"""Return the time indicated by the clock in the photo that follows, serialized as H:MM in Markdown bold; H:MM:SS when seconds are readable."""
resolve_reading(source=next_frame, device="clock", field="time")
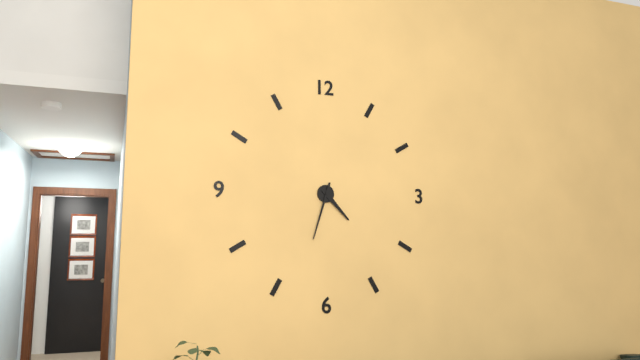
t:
**4:33**
